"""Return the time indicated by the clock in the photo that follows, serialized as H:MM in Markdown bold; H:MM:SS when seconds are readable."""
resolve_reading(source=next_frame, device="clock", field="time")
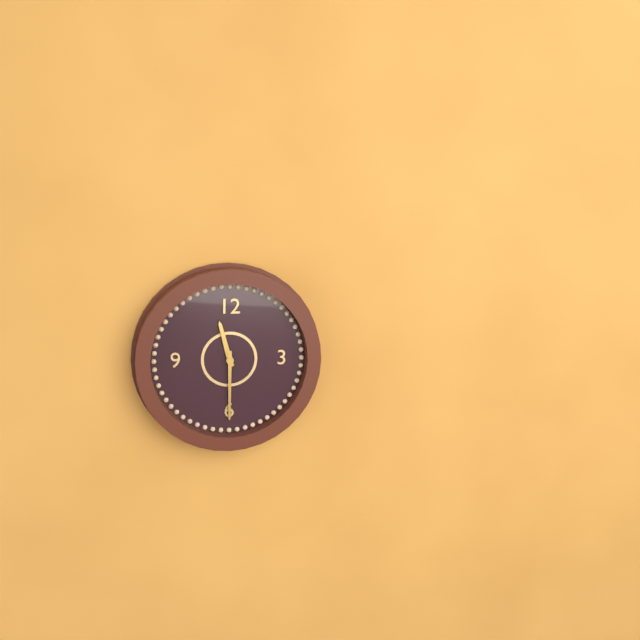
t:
**11:30**
